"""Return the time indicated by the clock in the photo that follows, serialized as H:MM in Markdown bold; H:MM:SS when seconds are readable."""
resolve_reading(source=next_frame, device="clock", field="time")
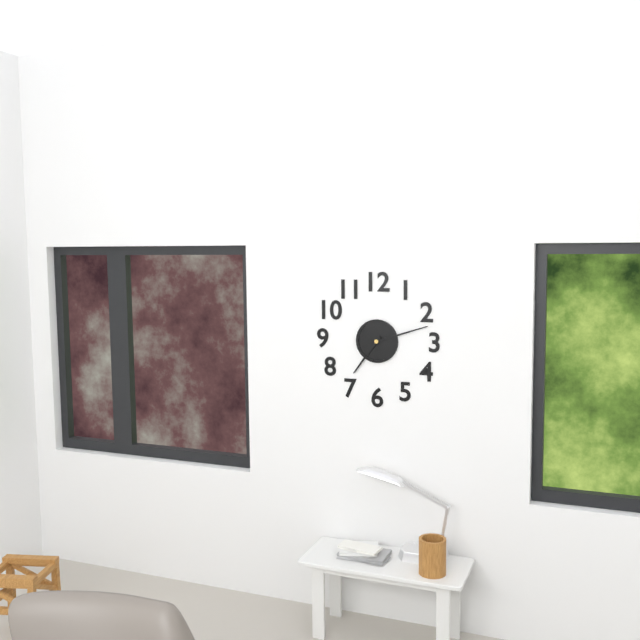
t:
**7:12**
